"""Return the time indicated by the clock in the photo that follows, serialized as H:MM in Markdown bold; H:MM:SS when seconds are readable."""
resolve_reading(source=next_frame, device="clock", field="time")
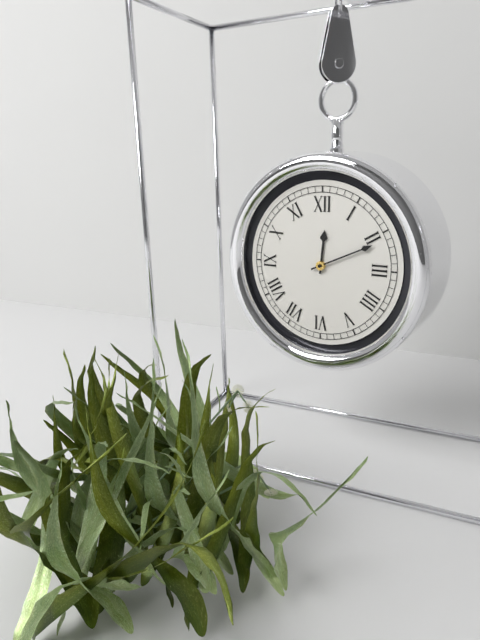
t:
**12:11**
